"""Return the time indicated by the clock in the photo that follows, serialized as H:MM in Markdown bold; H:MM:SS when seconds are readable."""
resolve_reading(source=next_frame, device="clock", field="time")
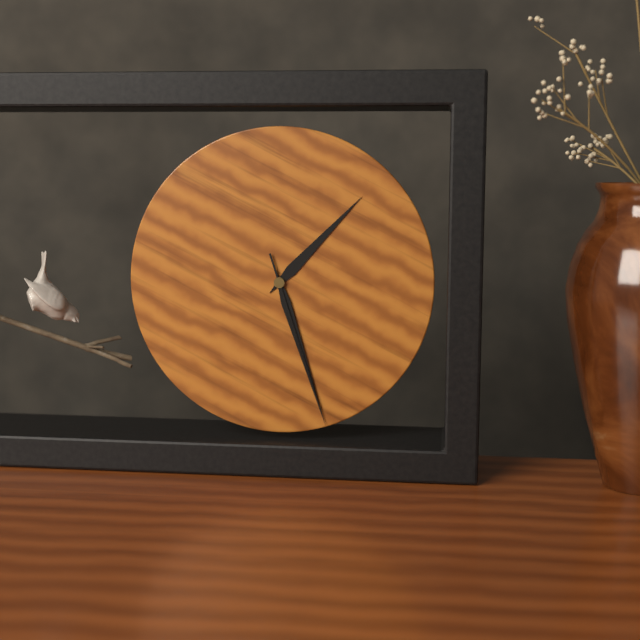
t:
**1:27:27**
